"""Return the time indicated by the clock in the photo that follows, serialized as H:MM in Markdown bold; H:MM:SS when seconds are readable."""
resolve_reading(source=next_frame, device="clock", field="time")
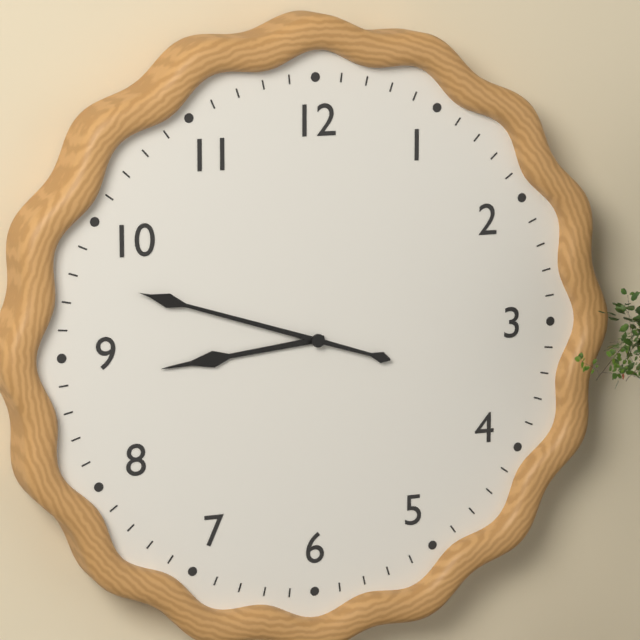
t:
**8:48**
